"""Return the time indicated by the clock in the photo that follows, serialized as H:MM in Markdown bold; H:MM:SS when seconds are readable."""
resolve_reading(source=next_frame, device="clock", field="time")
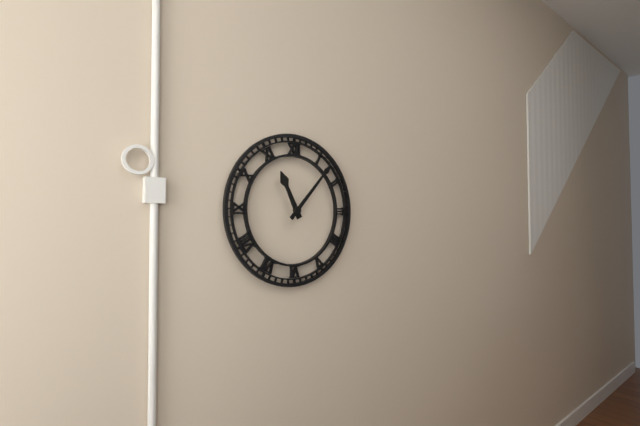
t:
**11:07**
